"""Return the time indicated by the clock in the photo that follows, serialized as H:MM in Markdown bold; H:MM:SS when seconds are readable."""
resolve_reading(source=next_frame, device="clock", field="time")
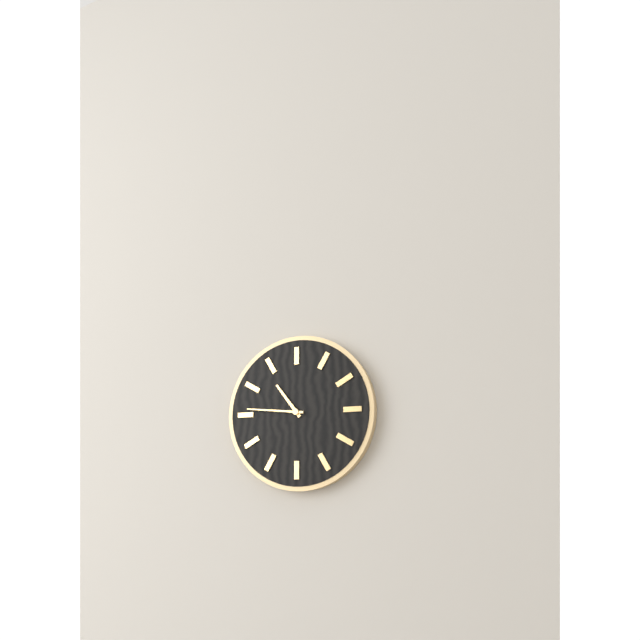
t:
**10:46**
